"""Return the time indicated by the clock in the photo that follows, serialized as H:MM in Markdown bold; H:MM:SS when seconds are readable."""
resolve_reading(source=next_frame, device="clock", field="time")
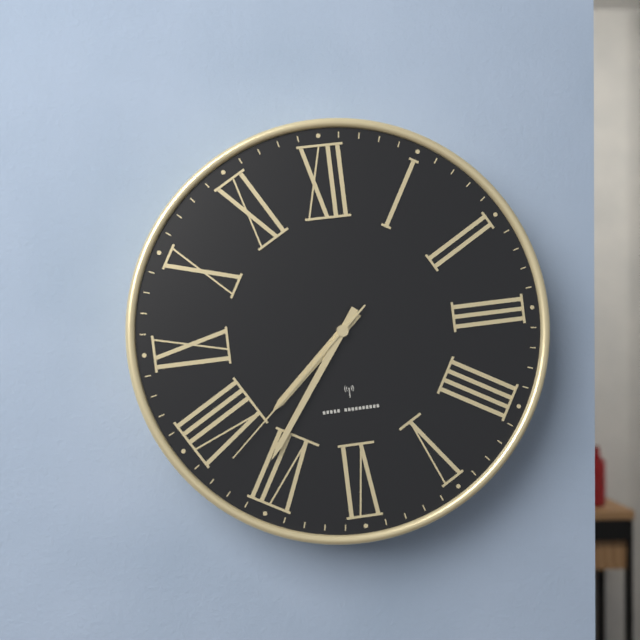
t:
**7:36:38**
